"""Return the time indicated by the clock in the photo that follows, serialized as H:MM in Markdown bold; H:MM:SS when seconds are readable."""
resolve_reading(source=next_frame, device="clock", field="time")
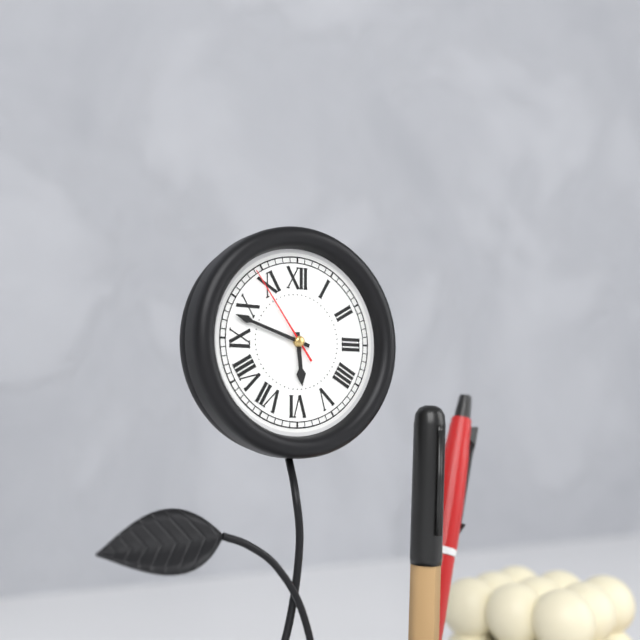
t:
**5:48:54**
